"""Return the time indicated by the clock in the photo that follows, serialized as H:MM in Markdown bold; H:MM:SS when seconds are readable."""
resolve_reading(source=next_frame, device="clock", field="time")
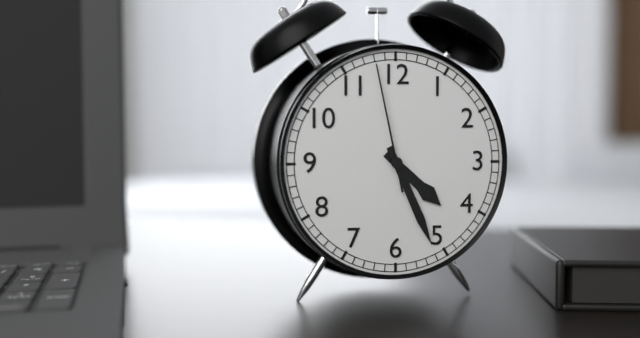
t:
**4:26:58**
